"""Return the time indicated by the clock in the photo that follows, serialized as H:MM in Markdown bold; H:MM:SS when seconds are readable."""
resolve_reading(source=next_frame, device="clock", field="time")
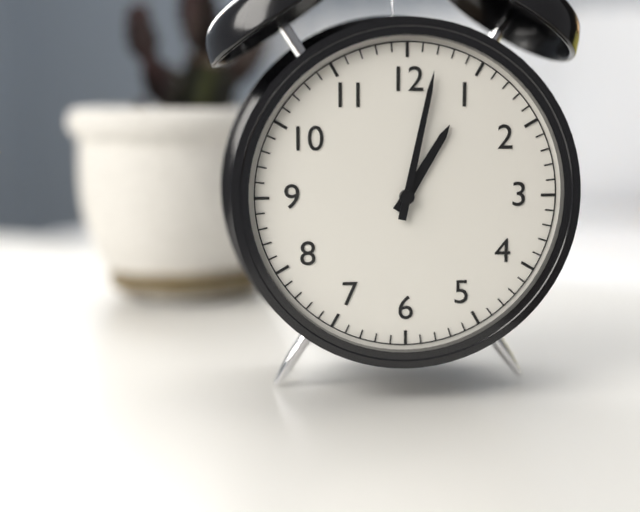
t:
**1:02**
